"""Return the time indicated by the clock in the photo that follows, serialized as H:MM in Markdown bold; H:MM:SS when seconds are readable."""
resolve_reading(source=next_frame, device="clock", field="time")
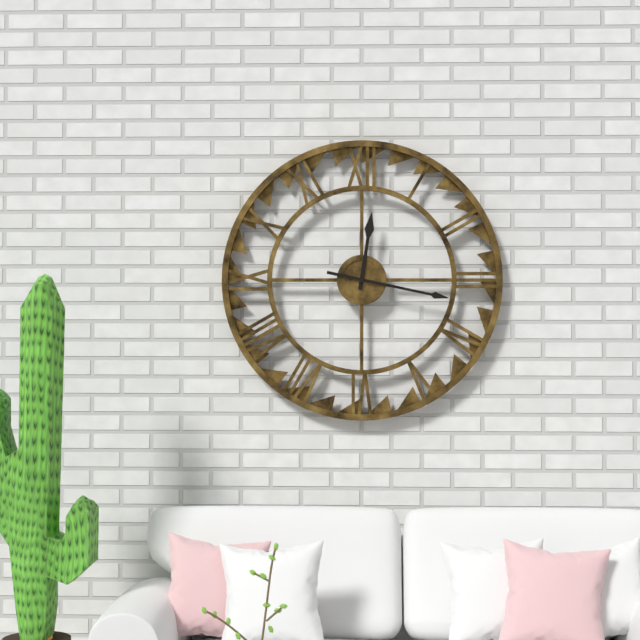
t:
**12:17**
